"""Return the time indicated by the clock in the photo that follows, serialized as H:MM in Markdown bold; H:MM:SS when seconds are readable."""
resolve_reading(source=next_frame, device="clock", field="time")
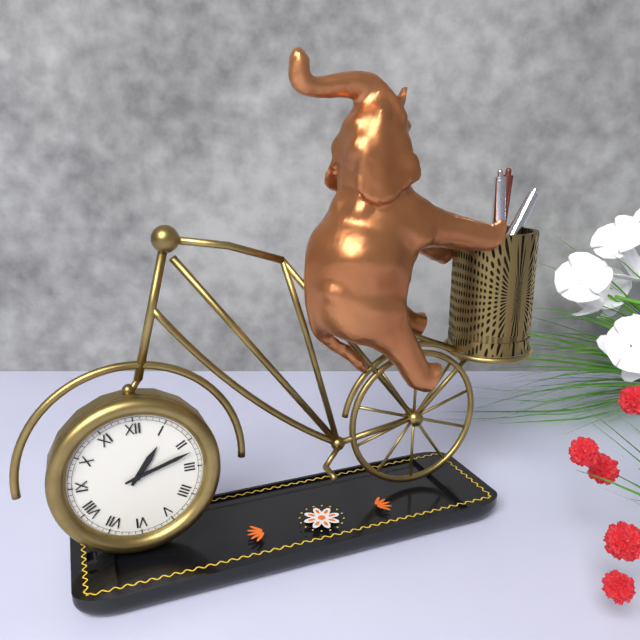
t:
**1:12**
